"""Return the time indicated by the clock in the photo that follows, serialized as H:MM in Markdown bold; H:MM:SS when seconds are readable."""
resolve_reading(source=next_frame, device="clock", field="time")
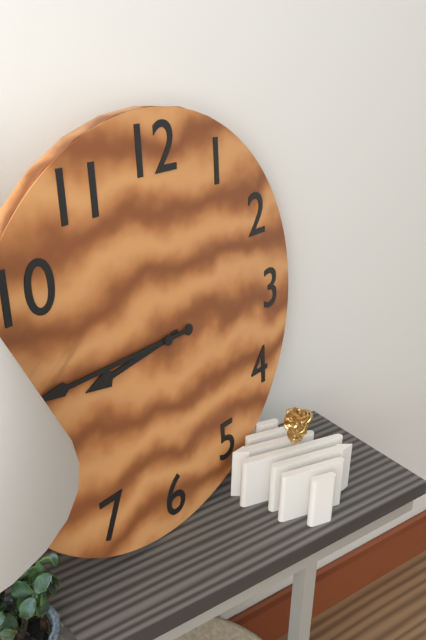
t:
**8:45**
